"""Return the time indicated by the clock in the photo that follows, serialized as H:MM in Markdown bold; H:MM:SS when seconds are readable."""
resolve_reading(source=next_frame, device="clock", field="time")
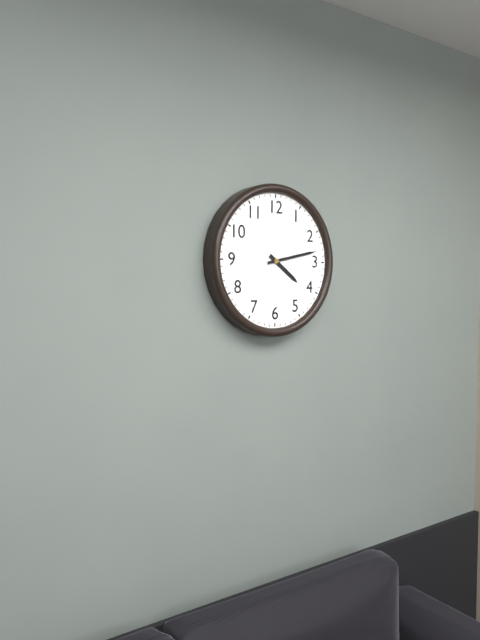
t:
**4:13**
